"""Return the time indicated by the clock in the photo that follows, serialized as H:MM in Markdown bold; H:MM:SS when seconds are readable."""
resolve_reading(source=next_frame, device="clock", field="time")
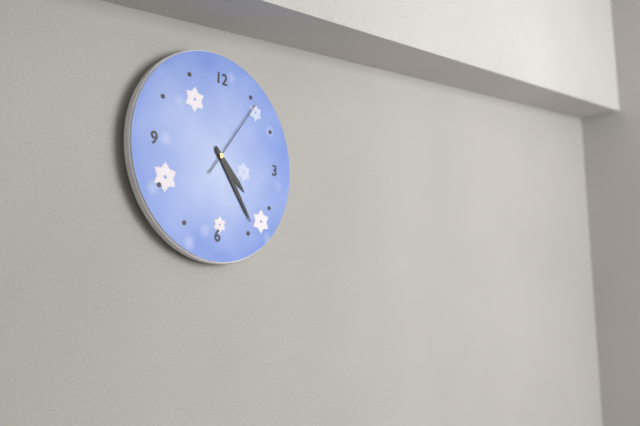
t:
**4:24:06**
